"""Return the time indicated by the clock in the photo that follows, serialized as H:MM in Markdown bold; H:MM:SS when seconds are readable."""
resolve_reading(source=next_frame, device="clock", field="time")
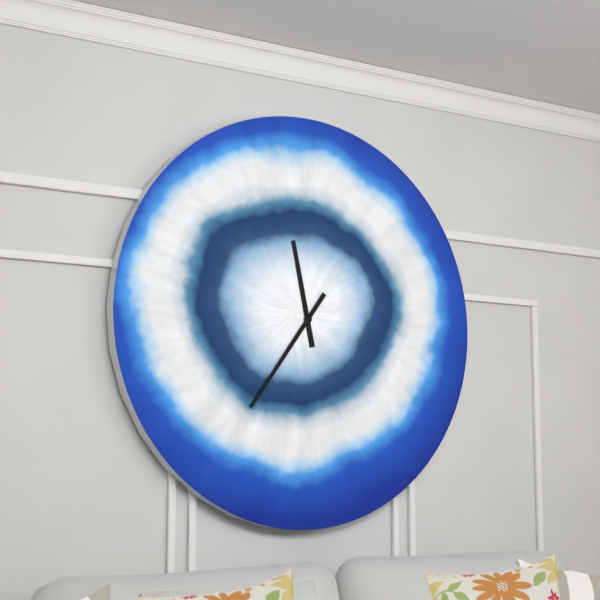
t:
**11:36**
